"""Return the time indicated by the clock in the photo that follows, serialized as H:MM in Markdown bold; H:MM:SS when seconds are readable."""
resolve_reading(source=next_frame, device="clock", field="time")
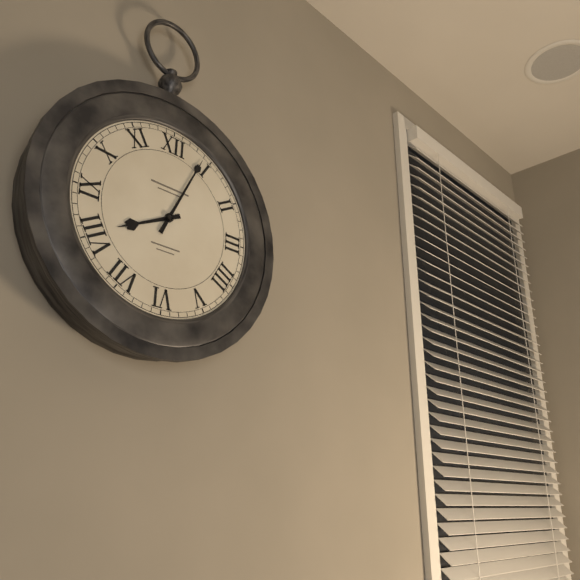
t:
**8:04**
